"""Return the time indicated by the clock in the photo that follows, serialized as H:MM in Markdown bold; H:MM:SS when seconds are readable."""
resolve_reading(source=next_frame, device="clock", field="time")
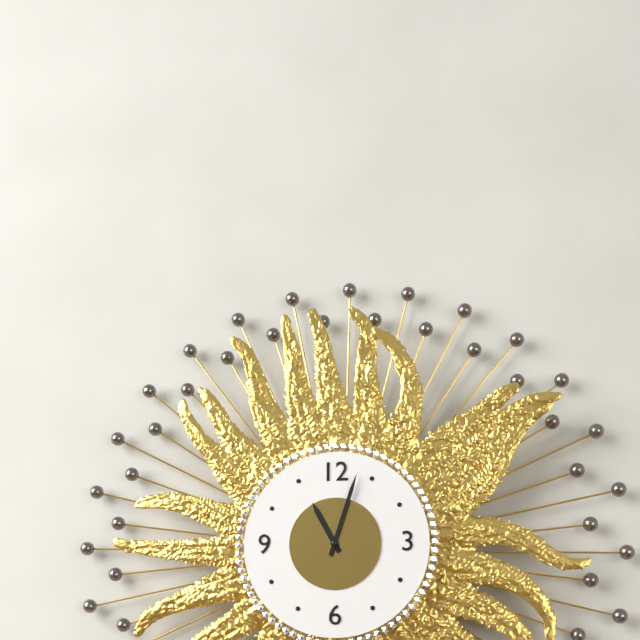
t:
**11:03**
